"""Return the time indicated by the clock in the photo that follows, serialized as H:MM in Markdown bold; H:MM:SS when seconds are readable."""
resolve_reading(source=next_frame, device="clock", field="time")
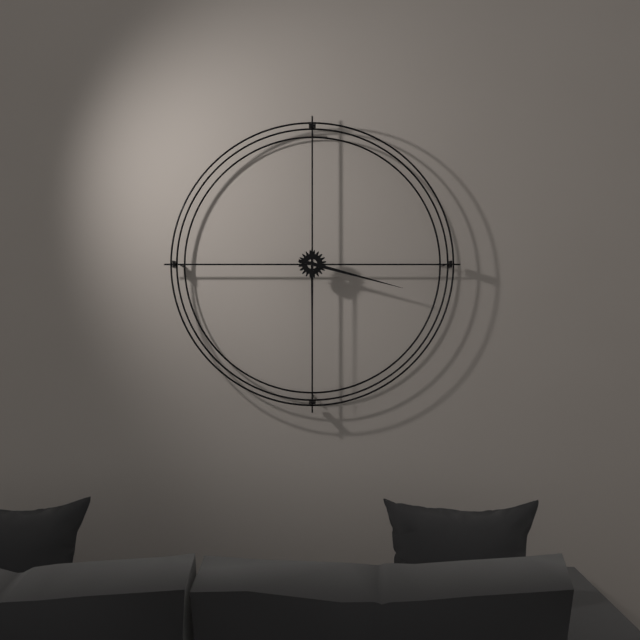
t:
**3:30**
